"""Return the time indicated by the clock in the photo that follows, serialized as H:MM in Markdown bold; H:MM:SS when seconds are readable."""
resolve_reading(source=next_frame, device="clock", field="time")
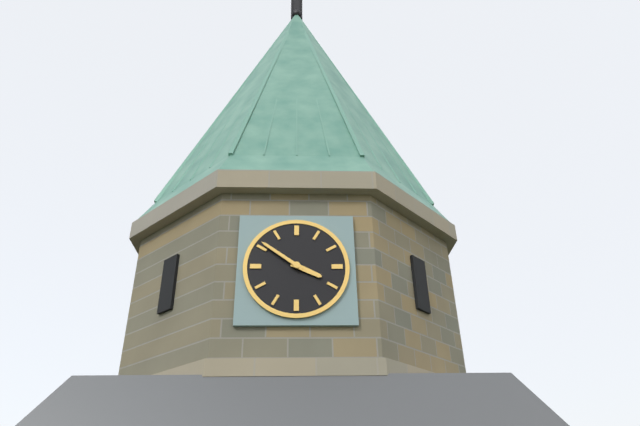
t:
**3:51**
